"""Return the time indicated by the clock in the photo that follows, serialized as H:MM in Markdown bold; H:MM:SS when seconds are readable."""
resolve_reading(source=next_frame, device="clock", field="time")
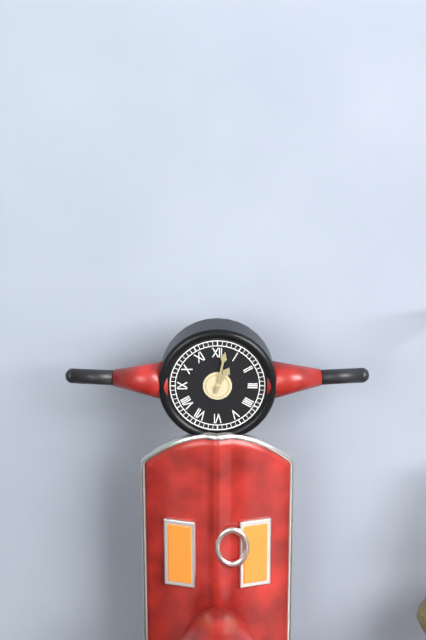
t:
**1:02**
